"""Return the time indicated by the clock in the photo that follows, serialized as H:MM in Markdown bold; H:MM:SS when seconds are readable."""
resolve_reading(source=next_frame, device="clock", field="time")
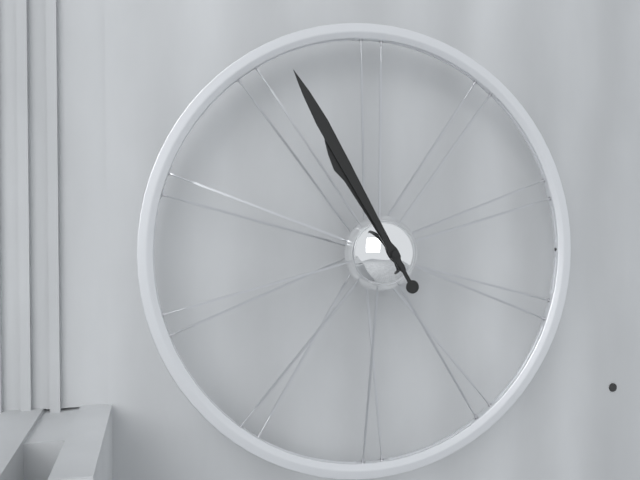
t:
**10:55**
